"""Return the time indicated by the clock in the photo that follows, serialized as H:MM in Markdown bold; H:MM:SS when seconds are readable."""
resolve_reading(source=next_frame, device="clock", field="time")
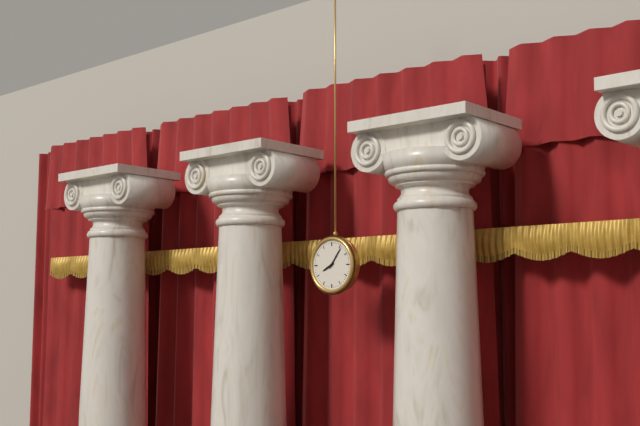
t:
**8:06**
